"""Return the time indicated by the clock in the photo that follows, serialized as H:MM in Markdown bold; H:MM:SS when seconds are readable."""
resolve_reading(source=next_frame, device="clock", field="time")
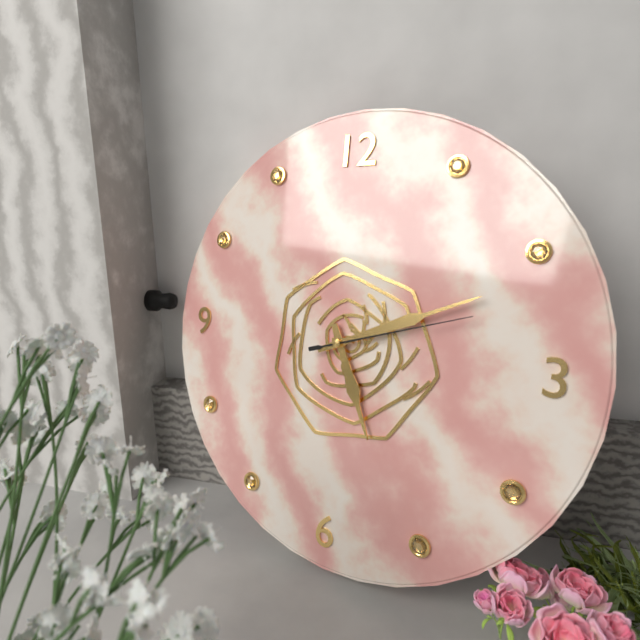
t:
**5:11:12**
